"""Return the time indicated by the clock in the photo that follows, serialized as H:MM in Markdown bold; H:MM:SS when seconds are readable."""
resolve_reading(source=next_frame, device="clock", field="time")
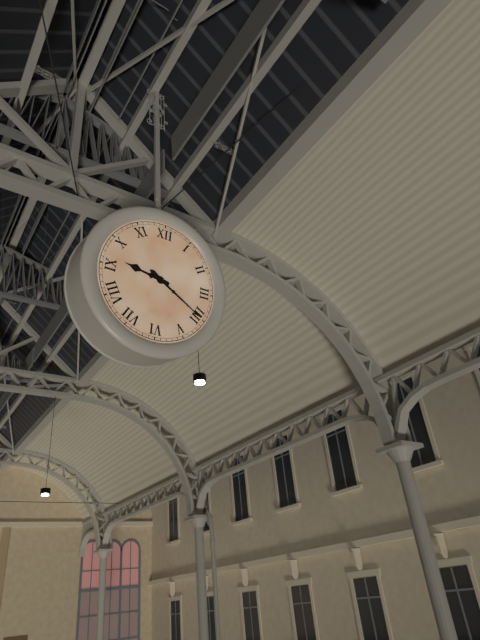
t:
**9:20**
